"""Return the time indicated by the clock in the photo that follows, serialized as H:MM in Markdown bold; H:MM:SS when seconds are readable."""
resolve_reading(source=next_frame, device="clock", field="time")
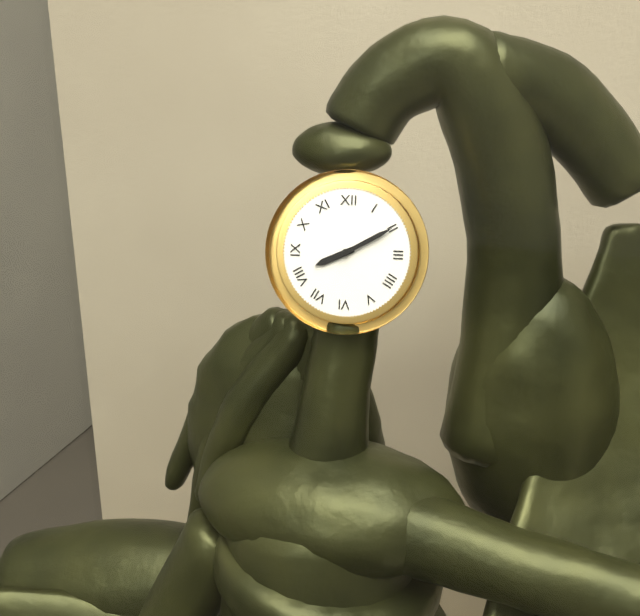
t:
**8:10**
